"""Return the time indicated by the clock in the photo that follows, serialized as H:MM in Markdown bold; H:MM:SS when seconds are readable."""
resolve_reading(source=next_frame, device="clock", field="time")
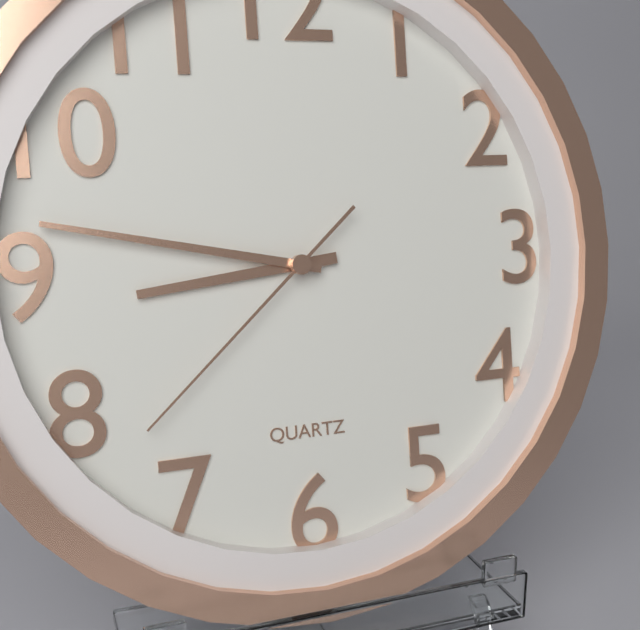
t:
**8:47:38**
